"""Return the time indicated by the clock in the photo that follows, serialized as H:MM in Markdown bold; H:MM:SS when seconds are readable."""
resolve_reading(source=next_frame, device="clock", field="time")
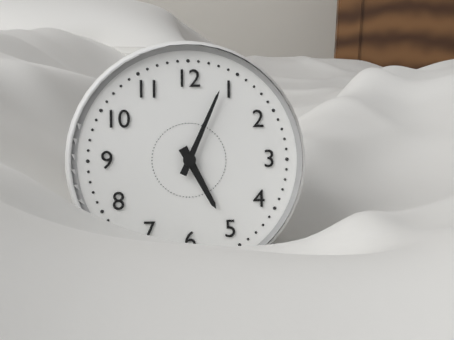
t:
**5:04**
